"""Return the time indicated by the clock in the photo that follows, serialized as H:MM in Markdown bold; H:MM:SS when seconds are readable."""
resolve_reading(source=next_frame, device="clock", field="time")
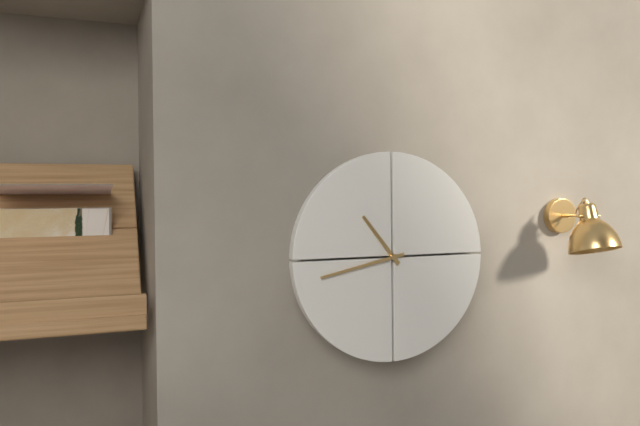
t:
**10:43**
